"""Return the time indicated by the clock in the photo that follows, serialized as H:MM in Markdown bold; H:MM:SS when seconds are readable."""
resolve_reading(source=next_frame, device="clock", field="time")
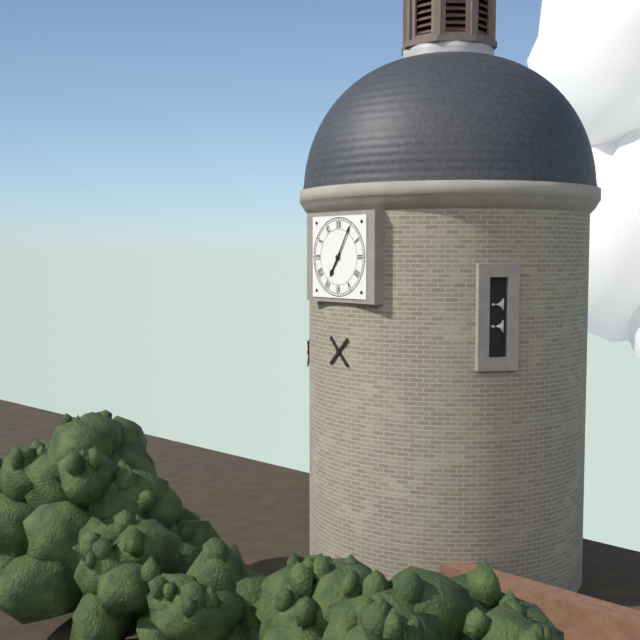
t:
**7:05**
